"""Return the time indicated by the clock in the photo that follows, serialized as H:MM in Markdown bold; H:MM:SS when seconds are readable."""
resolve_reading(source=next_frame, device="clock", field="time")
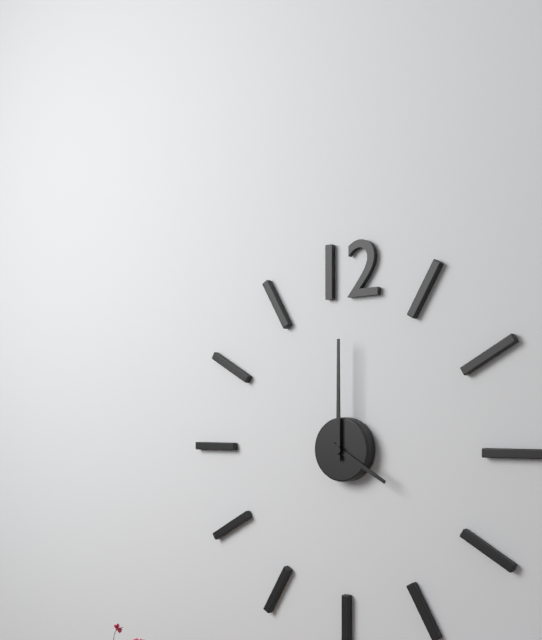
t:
**4:00**
